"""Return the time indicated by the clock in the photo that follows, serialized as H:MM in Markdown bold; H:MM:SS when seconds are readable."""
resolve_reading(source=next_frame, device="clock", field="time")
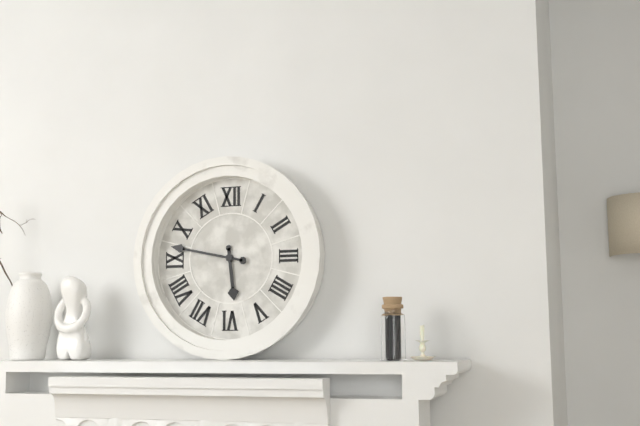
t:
**5:47**
